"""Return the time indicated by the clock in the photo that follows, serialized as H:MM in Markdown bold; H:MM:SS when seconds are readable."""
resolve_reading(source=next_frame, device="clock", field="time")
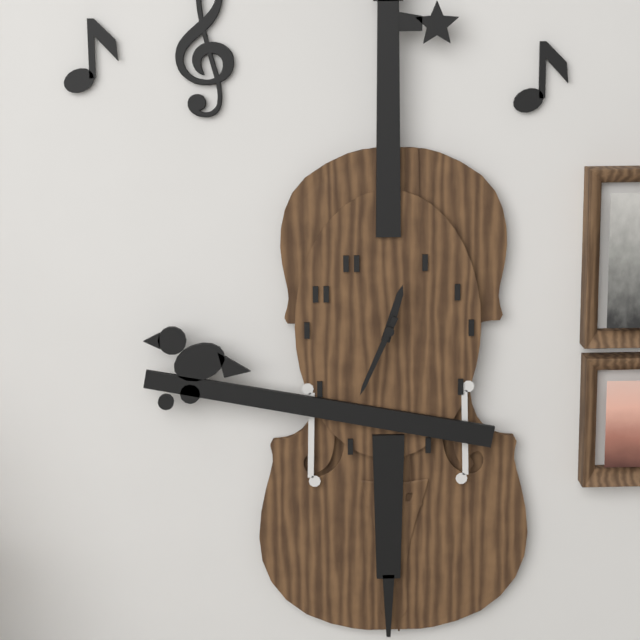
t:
**12:34**
